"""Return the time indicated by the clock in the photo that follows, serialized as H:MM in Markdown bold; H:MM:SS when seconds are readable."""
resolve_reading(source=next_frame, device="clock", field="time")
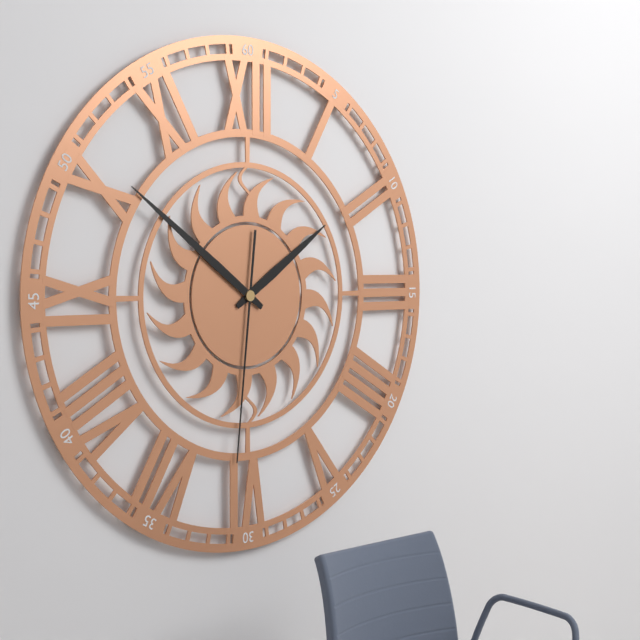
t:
**1:51:31**
